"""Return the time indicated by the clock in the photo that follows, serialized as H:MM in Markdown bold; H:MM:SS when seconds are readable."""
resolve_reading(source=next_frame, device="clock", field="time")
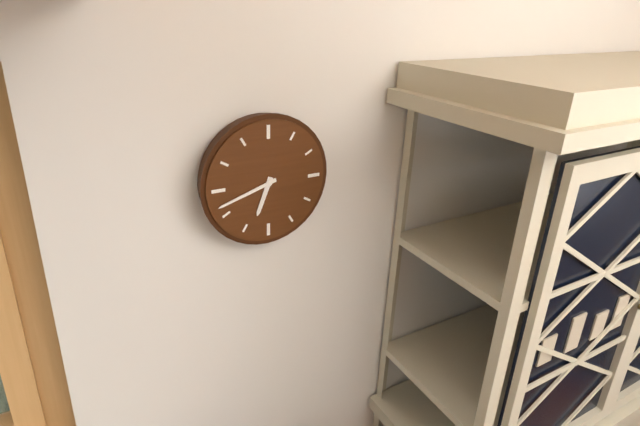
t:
**6:42**
